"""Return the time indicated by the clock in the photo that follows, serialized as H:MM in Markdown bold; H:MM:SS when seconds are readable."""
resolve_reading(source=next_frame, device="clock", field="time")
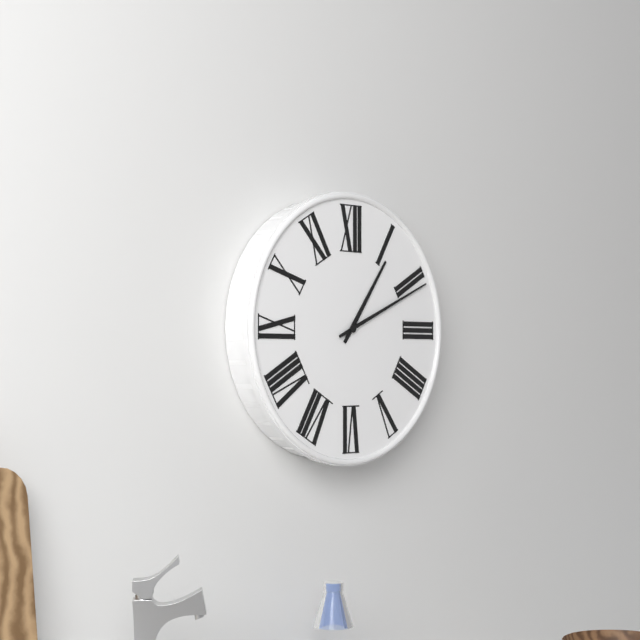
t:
**1:11**
